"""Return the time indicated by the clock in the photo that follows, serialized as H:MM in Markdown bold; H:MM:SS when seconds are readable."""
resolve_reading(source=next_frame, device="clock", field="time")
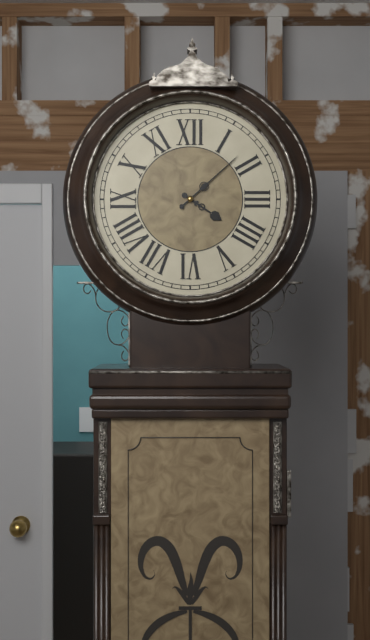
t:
**4:08**
